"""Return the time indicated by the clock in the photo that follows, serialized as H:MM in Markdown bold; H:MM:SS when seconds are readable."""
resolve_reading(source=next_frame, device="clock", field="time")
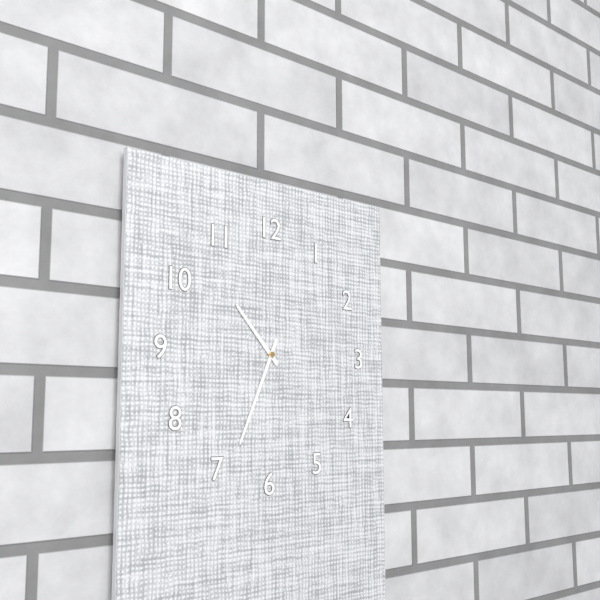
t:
**10:34**
